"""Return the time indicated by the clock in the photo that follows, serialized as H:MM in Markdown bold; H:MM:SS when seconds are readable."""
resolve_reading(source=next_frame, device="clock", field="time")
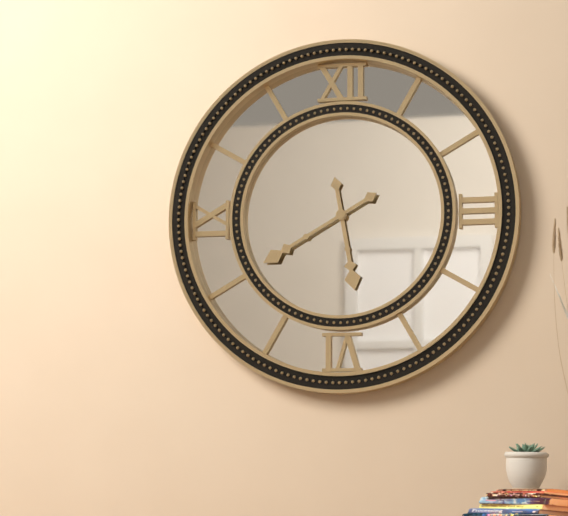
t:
**5:40**
